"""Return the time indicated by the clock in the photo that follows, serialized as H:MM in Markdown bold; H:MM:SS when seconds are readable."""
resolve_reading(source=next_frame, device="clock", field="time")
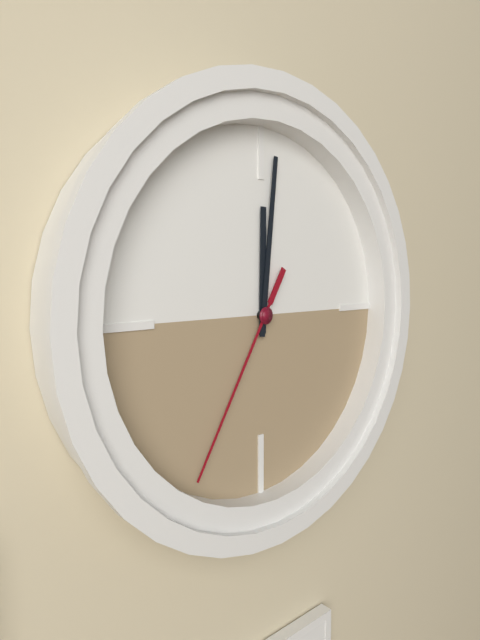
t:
**12:01:35**
